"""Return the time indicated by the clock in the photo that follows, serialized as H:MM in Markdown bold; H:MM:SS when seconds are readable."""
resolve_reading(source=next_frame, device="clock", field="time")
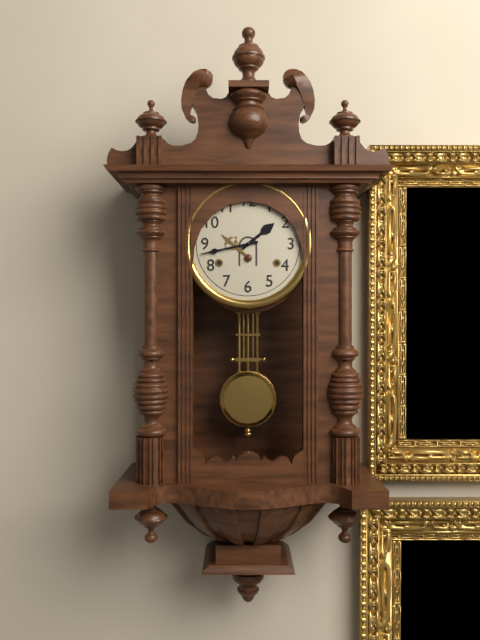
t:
**1:43**
